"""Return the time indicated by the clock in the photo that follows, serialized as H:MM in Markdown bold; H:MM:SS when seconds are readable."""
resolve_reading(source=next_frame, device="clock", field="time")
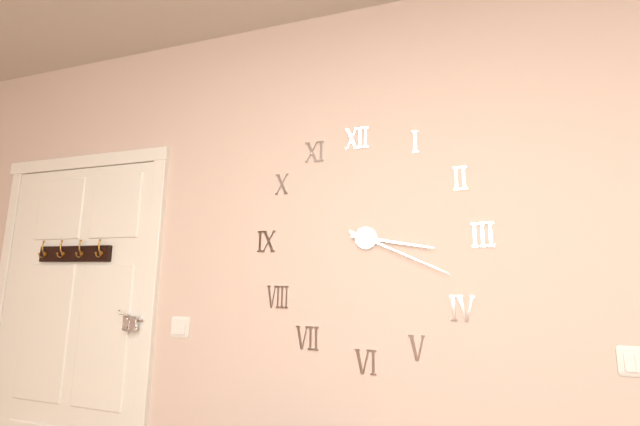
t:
**3:19**
